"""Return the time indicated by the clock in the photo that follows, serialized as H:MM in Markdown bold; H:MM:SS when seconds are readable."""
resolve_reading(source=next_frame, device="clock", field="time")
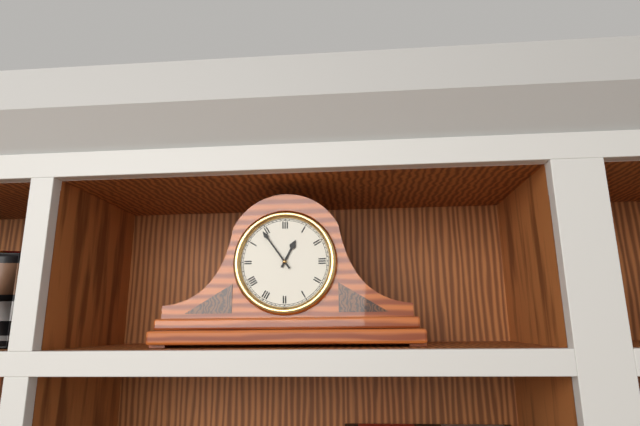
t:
**12:54**
